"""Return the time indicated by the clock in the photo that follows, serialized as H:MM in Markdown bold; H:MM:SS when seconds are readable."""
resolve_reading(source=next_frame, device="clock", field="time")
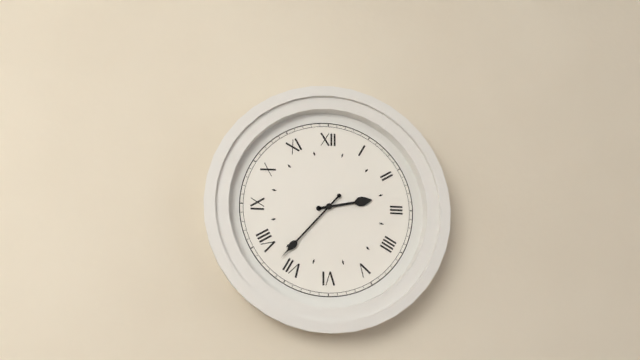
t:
**2:37**
